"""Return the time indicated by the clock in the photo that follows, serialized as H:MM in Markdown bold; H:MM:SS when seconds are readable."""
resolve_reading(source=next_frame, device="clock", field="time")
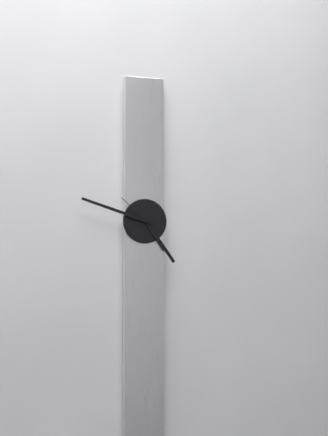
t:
**4:48**
